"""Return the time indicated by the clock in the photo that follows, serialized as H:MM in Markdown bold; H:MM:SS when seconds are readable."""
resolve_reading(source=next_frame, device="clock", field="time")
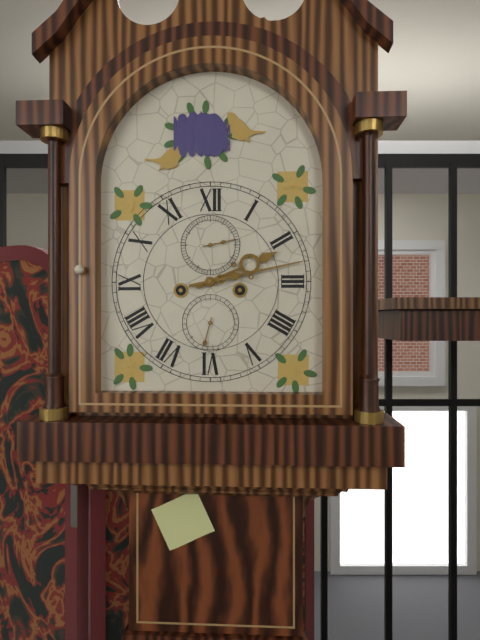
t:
**2:13**
